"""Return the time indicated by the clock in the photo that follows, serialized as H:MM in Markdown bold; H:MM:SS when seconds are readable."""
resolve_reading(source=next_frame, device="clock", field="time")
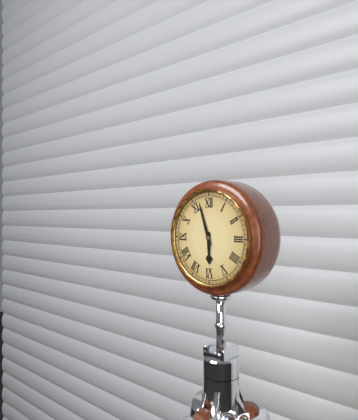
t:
**5:57**
